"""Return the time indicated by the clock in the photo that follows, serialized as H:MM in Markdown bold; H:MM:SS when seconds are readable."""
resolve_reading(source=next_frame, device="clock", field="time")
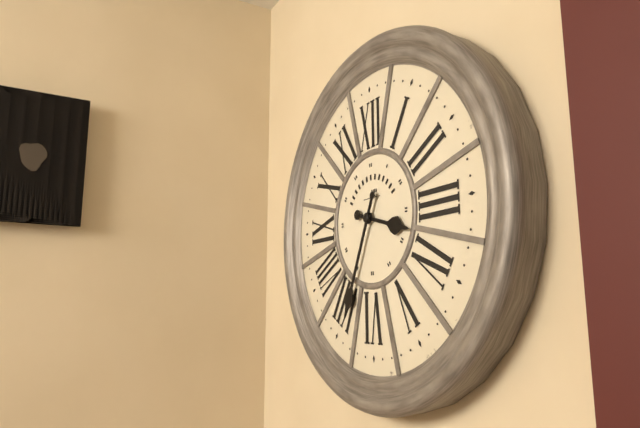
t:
**3:34**
